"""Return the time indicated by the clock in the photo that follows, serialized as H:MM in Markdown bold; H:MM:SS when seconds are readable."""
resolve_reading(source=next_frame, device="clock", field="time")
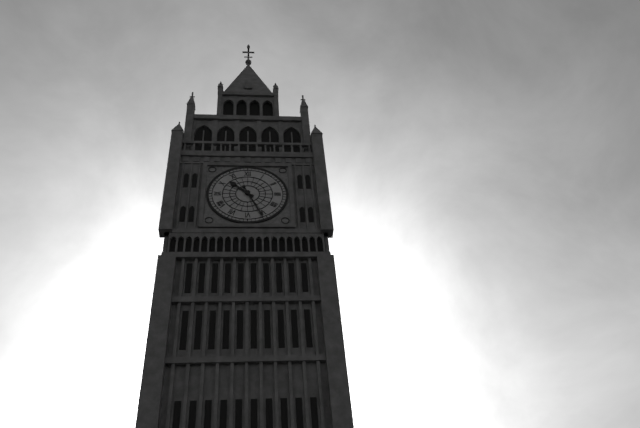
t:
**10:26**
